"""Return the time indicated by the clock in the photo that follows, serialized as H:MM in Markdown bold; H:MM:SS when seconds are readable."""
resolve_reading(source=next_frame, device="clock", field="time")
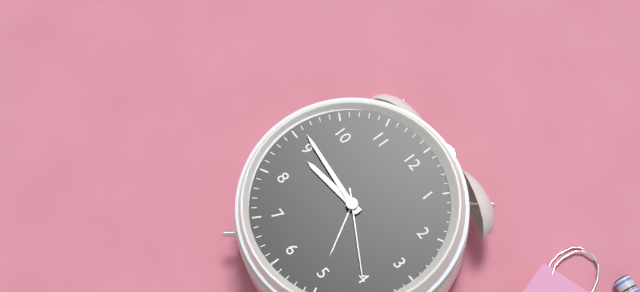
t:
**8:46:20**
